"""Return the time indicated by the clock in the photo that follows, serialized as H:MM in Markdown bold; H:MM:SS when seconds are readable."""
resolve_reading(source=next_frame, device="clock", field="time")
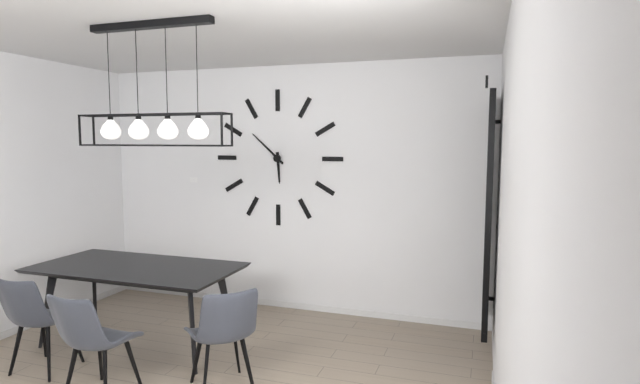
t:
**5:52**
